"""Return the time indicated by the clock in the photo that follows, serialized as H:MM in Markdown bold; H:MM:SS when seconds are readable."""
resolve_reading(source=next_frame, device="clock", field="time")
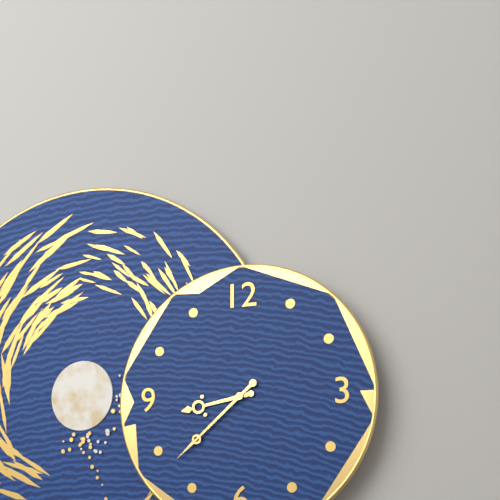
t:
**8:38**
